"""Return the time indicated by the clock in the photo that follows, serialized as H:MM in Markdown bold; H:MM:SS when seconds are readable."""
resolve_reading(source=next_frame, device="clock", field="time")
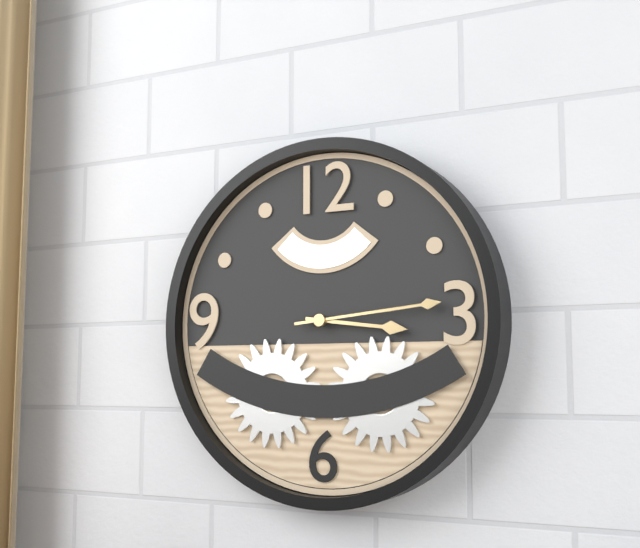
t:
**3:14**
